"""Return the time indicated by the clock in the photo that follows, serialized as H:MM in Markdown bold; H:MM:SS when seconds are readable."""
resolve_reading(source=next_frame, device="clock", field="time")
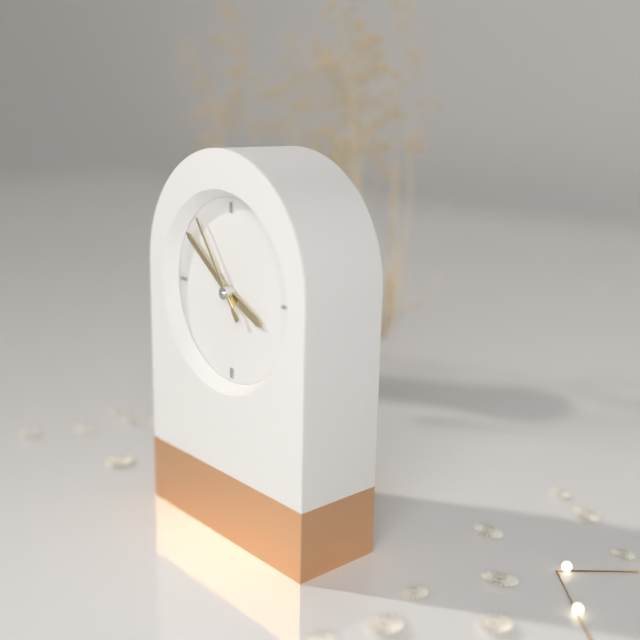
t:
**3:51:54**
